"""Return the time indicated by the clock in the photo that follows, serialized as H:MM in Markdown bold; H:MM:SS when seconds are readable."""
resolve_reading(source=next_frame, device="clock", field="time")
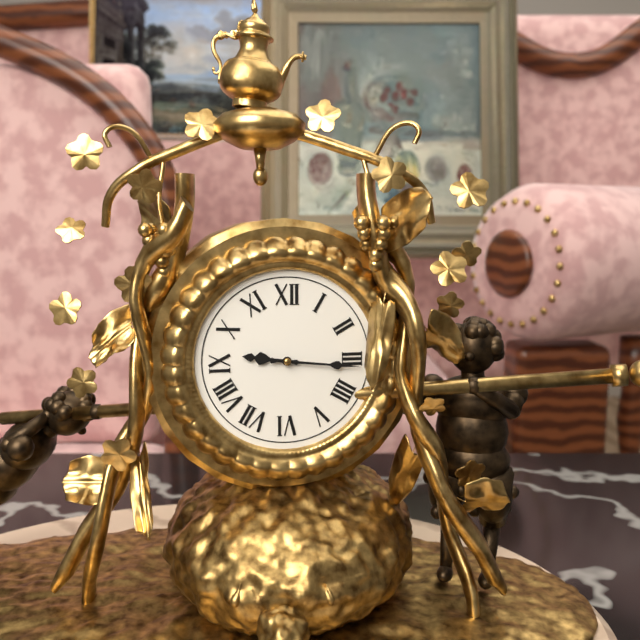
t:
**9:16**
